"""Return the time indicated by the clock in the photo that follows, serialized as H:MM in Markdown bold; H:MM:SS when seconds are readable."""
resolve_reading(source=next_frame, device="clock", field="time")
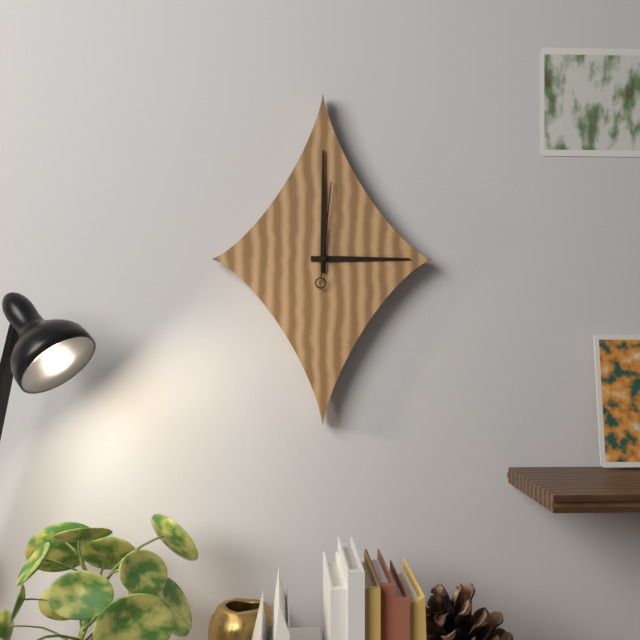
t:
**3:00:01**
